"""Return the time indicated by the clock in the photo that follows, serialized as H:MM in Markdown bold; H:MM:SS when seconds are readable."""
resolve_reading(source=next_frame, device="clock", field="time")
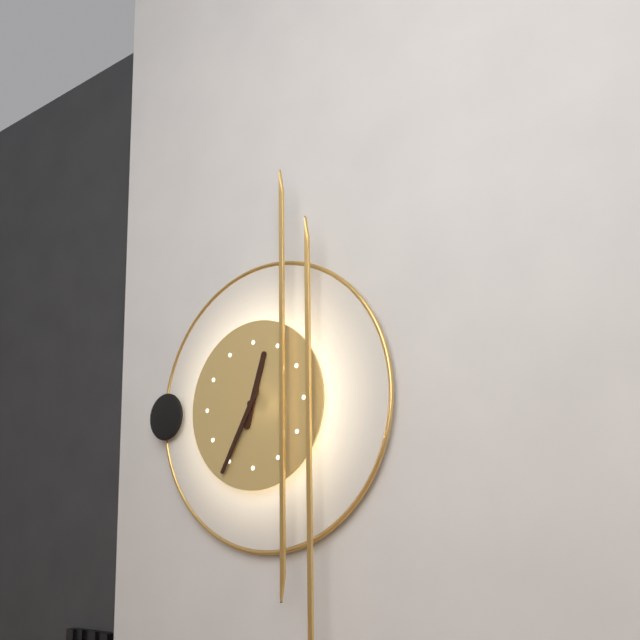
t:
**12:35**
